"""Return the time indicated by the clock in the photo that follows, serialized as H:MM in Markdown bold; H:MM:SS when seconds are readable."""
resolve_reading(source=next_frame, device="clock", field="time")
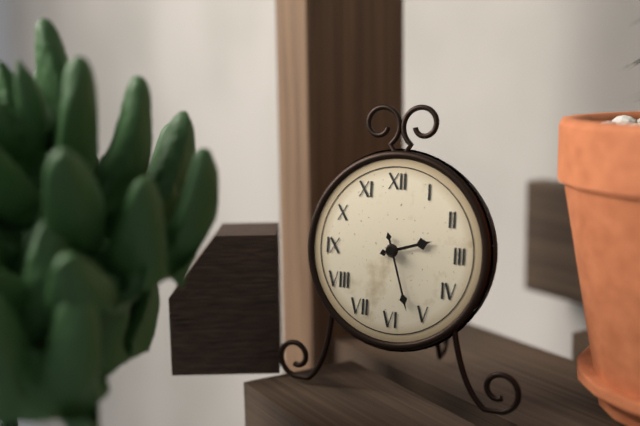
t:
**2:27**
